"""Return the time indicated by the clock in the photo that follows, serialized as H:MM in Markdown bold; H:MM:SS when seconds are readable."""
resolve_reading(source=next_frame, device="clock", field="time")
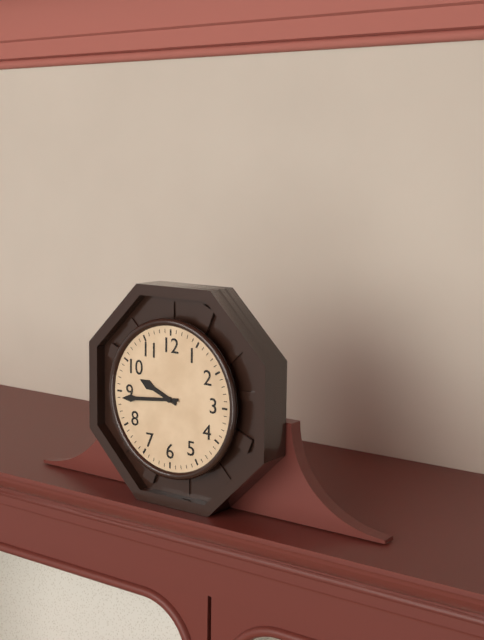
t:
**9:44**
